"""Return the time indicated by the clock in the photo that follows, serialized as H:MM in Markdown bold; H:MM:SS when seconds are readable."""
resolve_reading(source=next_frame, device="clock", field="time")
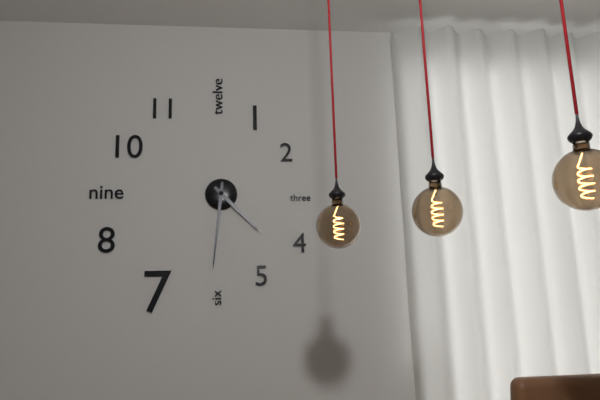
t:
**4:31**
